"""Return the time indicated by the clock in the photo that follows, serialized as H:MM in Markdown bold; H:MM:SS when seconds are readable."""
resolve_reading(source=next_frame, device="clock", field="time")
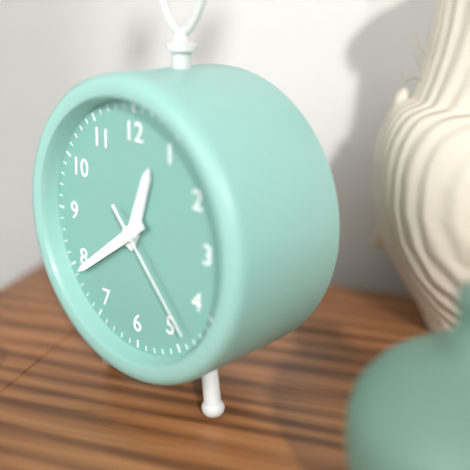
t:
**12:39:23**
